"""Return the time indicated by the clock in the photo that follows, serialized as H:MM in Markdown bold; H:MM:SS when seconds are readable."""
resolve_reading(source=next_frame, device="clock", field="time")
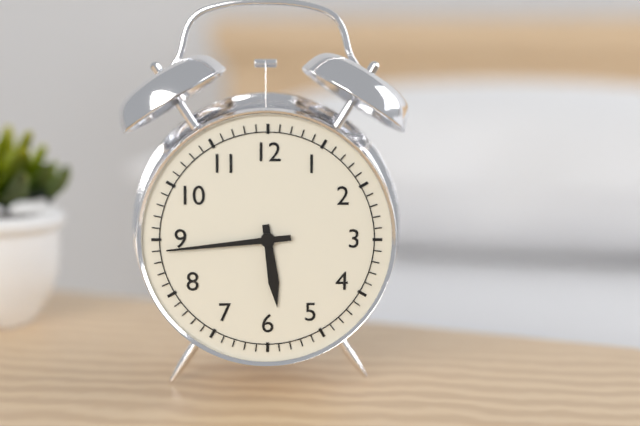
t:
**5:44**
